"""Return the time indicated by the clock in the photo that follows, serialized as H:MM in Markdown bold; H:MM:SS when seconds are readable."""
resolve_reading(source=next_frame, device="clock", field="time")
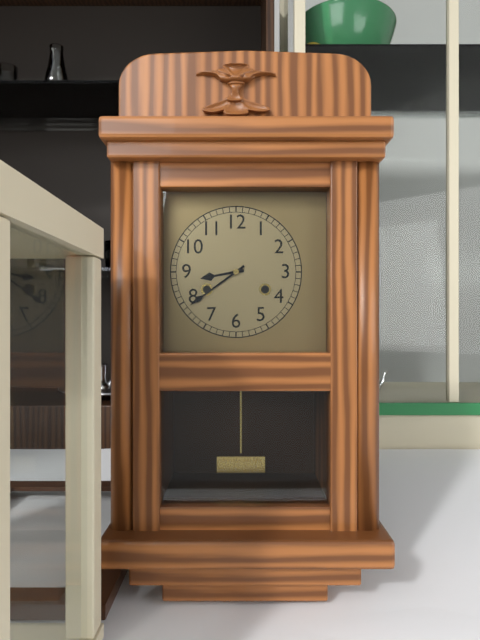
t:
**8:39**
